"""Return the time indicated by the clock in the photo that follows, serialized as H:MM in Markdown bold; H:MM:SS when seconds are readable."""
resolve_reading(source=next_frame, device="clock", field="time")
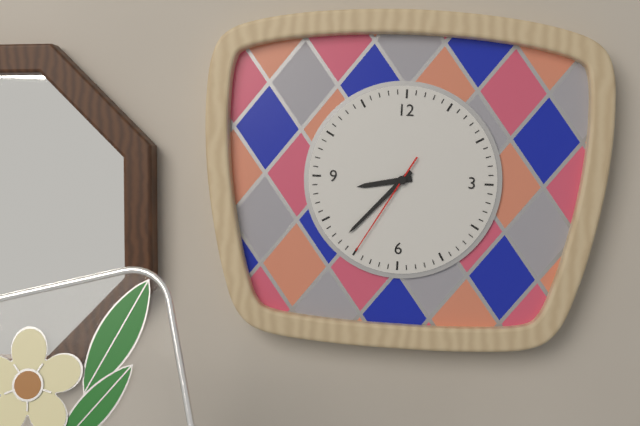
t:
**8:37:35**
